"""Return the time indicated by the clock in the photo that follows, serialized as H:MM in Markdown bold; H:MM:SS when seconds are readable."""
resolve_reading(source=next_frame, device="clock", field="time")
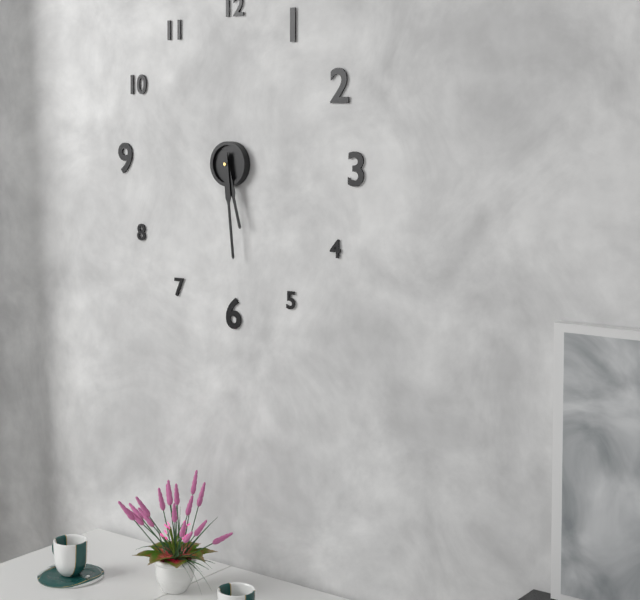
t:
**5:29**
